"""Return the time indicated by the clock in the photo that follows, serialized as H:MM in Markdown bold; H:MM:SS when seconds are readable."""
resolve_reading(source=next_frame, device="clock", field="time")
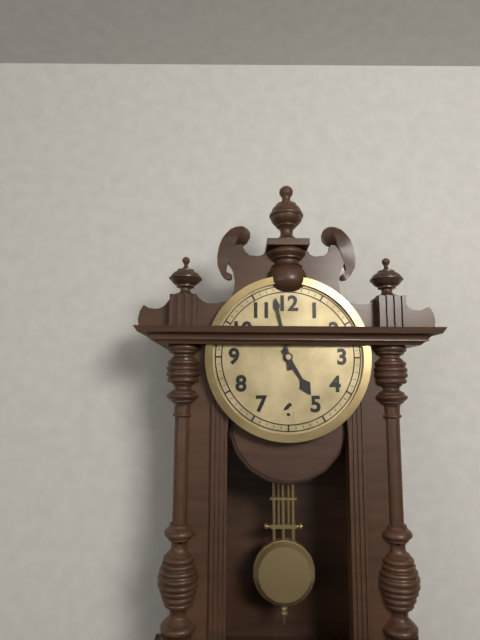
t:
**4:58**
